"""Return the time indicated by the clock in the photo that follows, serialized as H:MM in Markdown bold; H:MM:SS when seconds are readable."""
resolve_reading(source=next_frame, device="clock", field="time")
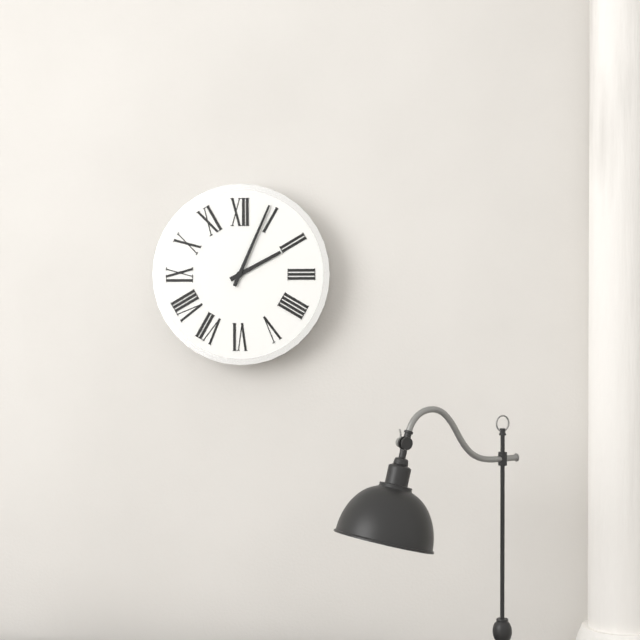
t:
**2:04**
